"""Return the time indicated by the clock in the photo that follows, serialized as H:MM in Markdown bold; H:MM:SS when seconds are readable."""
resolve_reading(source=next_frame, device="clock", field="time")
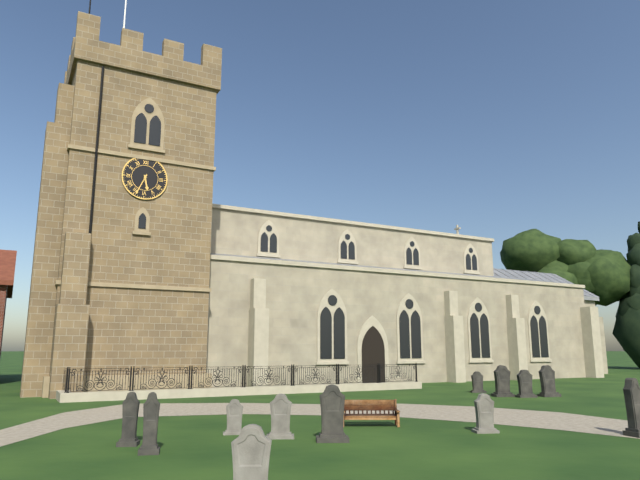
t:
**5:34**
